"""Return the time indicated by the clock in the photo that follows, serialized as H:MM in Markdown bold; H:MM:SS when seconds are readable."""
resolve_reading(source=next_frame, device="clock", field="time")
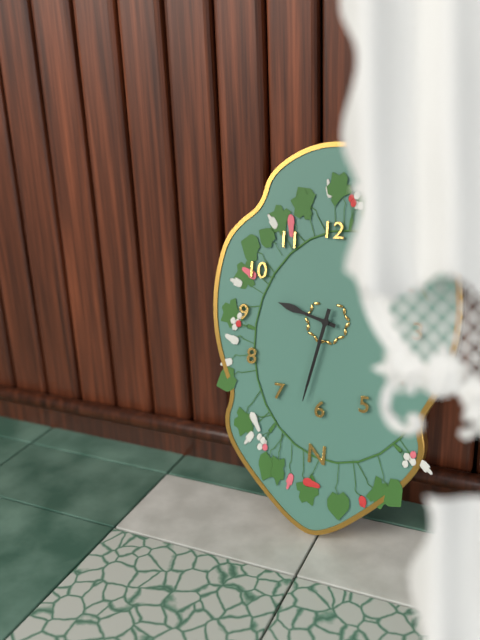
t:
**9:32**
